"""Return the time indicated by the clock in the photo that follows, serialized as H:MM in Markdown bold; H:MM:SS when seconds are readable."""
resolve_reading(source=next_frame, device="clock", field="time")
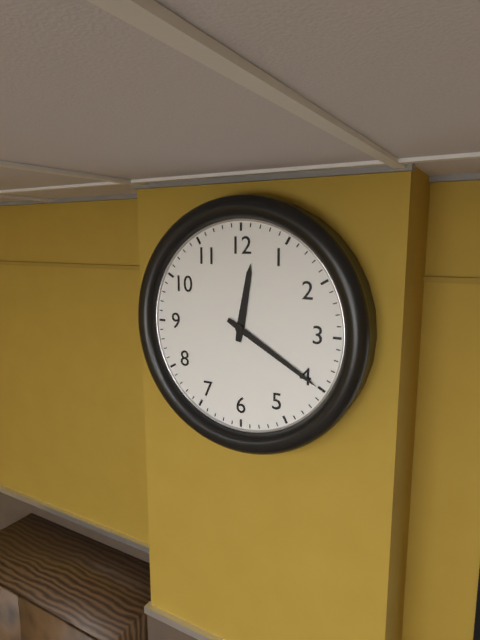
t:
**12:20**
